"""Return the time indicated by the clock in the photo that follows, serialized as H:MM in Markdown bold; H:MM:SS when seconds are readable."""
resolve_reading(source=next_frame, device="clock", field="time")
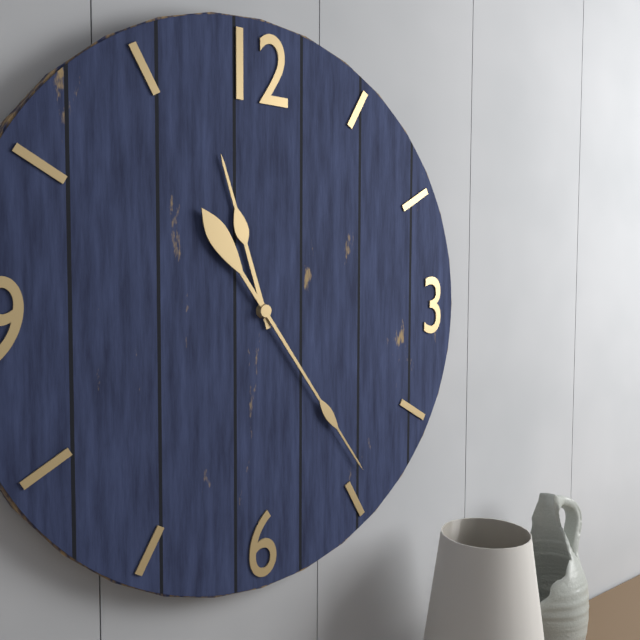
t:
**11:24**
